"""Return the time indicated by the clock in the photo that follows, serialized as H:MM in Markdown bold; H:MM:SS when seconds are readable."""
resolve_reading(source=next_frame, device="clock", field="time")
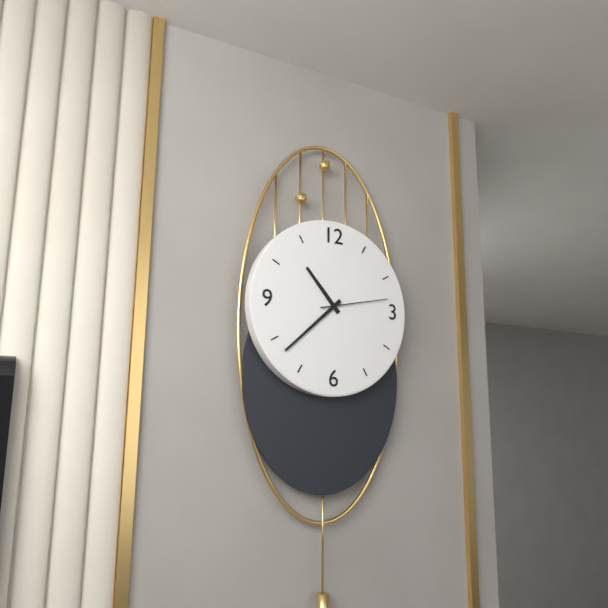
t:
**10:38:13**
